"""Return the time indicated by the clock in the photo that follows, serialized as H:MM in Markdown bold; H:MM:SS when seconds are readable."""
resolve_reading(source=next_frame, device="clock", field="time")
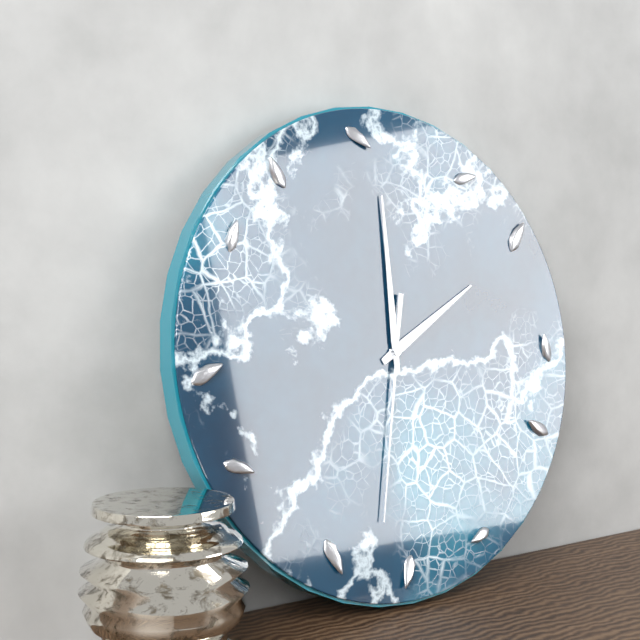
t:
**2:00:32**
